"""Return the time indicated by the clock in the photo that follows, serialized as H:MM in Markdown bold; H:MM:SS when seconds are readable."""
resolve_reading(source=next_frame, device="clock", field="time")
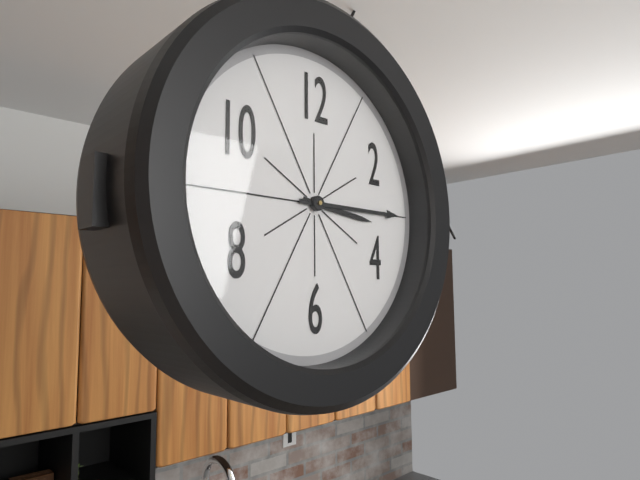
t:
**3:15**
